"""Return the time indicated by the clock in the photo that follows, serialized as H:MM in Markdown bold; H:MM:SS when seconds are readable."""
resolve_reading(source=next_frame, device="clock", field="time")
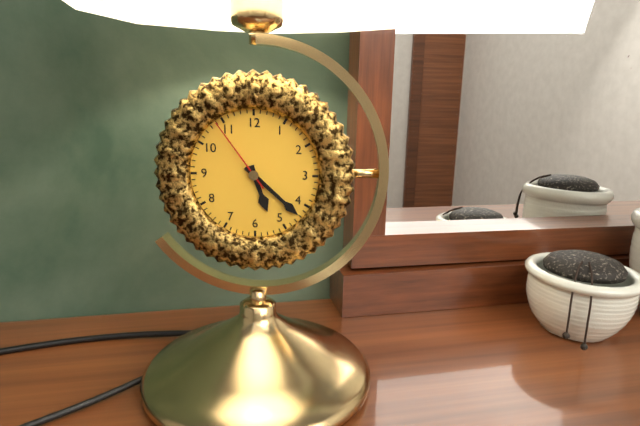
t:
**5:22:54**
